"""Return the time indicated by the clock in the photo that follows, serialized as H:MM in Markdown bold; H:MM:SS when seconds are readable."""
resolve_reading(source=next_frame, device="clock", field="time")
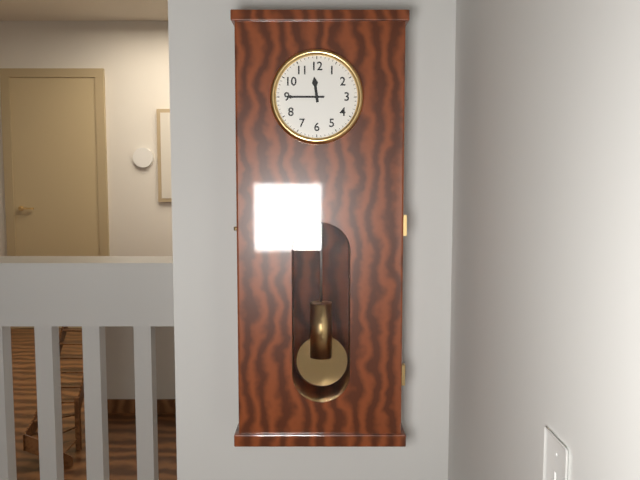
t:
**11:45**
